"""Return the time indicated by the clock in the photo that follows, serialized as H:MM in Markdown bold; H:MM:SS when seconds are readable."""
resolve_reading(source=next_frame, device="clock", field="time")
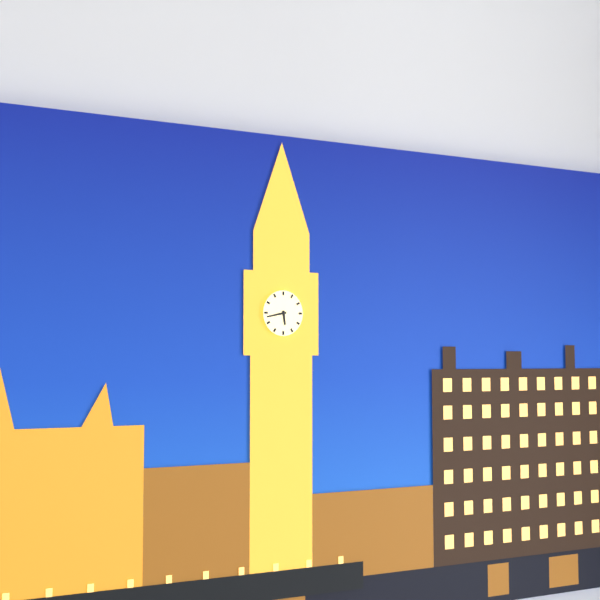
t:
**5:43**
